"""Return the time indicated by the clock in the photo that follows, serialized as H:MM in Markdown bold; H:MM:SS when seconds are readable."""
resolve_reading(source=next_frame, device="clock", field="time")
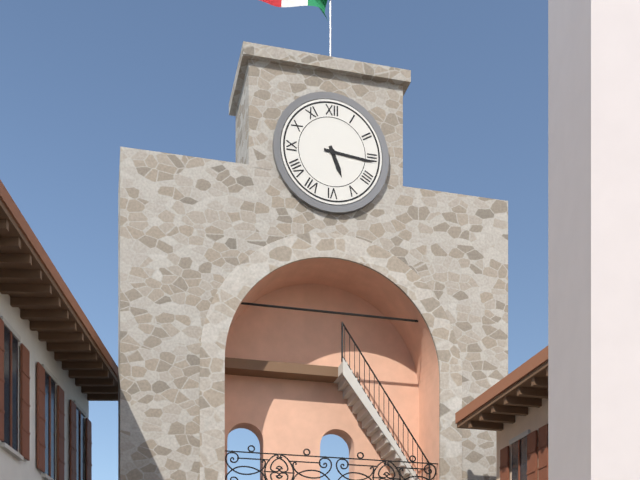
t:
**5:16**
